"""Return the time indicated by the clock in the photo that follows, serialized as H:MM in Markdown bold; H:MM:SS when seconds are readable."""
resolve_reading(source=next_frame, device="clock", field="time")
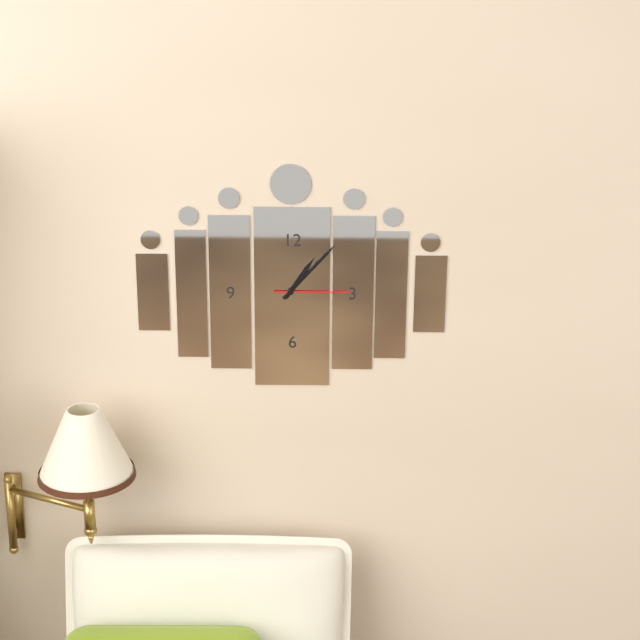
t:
**1:07:15**
